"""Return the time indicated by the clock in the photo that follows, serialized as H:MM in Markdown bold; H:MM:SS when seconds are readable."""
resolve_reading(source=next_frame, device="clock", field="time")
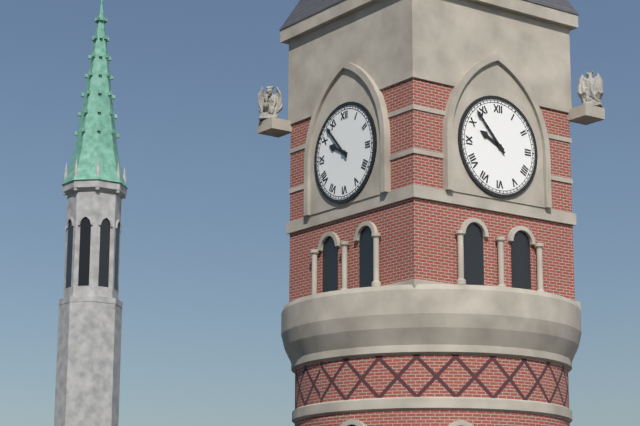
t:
**9:53**
